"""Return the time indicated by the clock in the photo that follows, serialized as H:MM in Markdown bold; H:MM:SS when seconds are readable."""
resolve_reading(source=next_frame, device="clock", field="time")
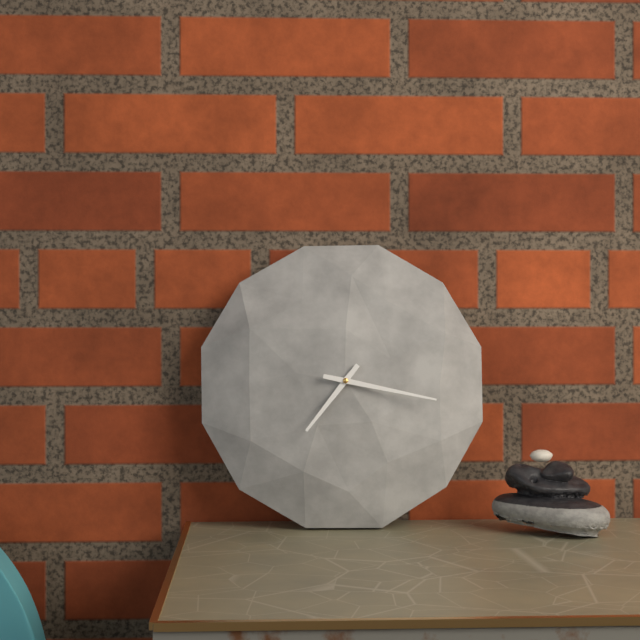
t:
**7:17**
